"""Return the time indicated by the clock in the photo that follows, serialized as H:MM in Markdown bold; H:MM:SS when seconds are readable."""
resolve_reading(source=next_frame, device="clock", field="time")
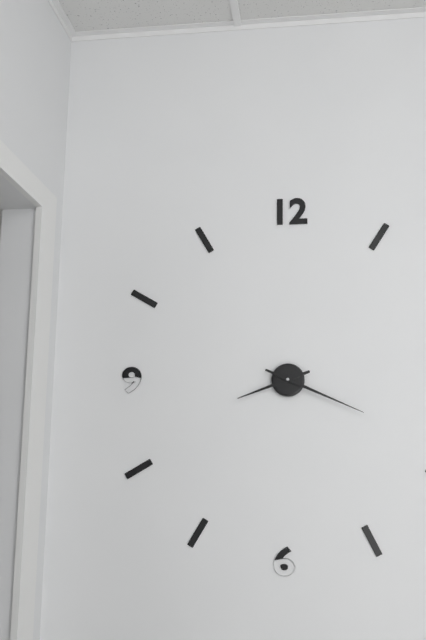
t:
**8:19**
